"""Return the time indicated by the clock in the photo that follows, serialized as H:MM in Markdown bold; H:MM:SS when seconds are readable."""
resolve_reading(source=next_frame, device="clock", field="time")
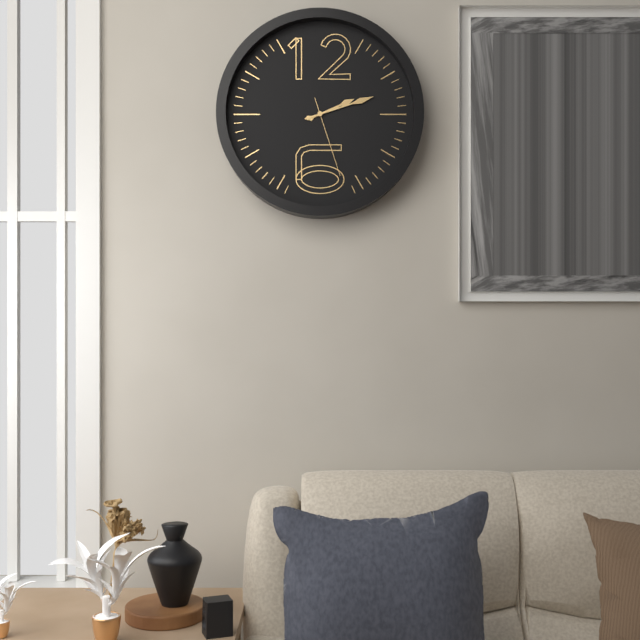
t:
**2:12:27**
